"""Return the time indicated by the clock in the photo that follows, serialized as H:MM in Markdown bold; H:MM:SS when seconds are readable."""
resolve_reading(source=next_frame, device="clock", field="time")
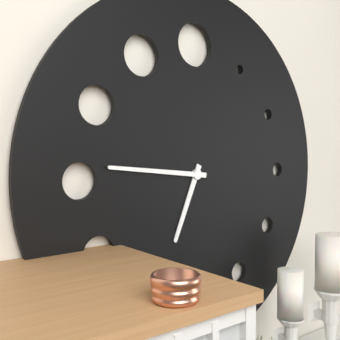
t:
**6:46**
